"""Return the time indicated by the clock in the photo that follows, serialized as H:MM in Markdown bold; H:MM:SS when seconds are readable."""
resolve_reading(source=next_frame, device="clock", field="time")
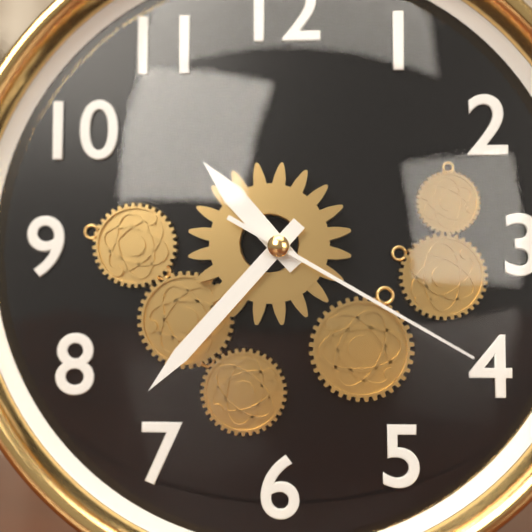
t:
**10:37:20**
